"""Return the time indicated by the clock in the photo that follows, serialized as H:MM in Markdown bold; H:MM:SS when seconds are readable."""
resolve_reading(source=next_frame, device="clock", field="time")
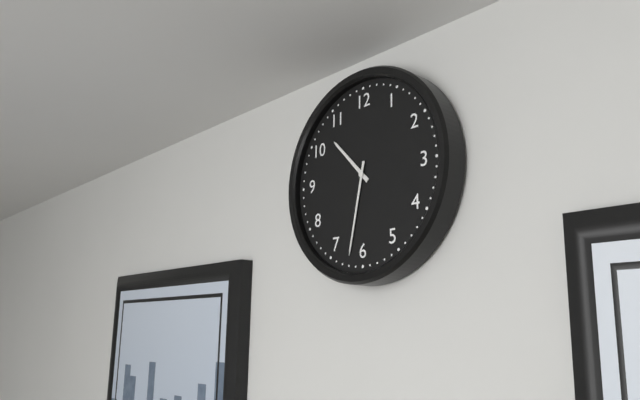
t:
**10:32**
